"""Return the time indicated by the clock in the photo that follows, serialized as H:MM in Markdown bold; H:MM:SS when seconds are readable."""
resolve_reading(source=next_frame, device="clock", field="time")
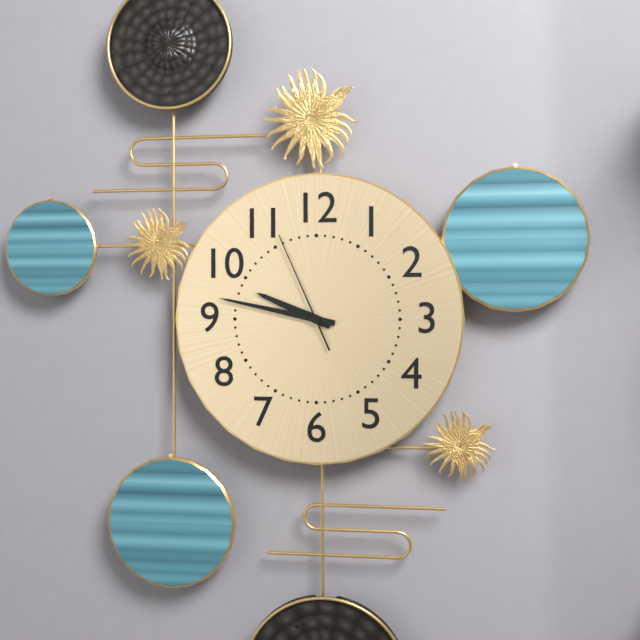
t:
**9:47:56**
